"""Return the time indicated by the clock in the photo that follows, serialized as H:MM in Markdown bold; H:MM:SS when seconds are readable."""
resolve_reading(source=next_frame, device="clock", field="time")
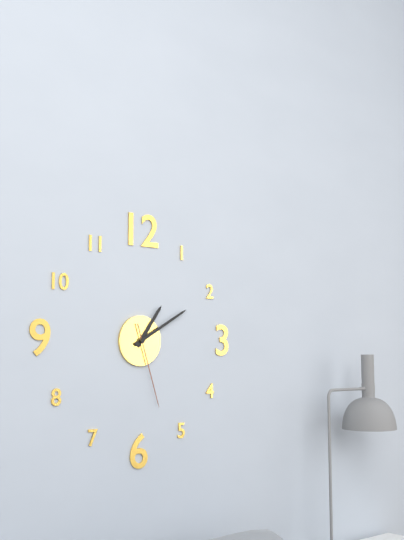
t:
**1:10:27**
